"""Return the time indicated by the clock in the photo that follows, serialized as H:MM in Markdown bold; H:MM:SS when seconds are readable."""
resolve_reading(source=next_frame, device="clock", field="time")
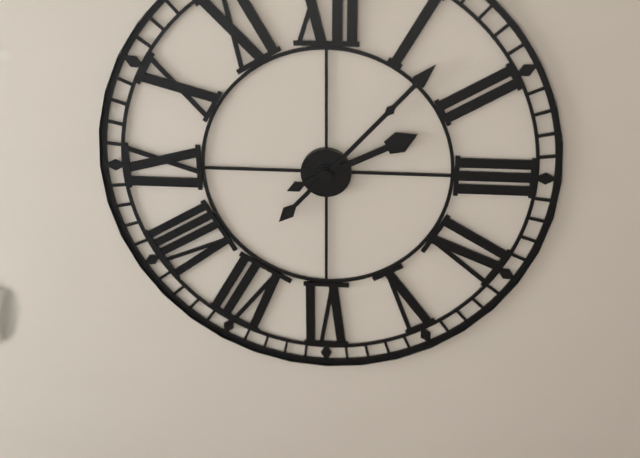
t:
**2:07**
